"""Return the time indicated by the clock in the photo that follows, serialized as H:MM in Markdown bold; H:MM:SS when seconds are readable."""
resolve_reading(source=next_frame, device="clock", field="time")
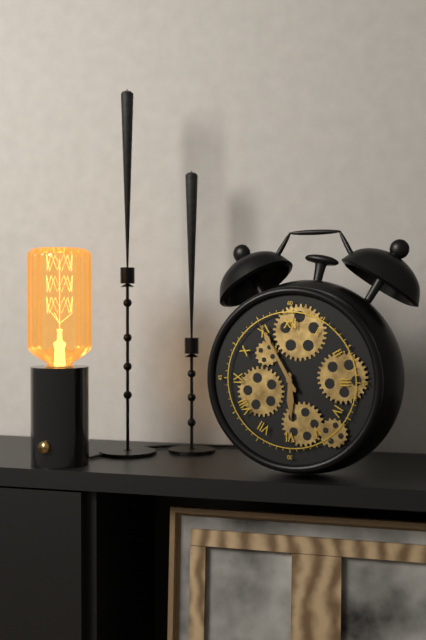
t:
**5:55**
